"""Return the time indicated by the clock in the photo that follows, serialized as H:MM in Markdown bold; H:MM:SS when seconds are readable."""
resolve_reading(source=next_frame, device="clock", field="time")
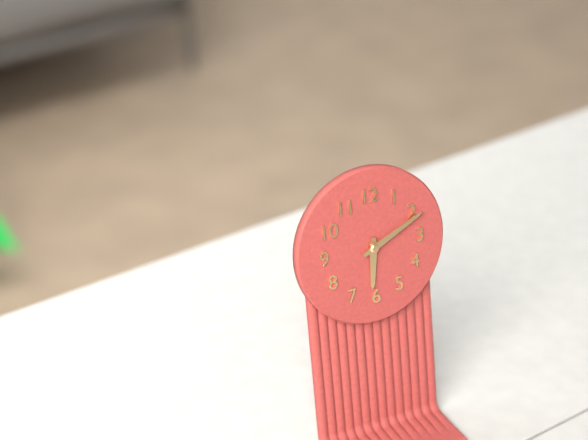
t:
**6:11**
